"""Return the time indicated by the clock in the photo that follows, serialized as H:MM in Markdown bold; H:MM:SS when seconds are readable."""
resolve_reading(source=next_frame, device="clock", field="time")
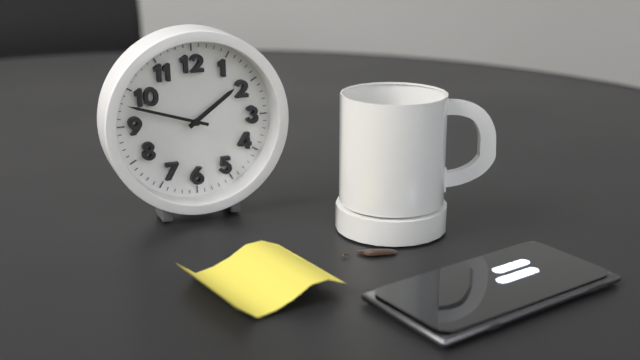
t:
**1:48**
